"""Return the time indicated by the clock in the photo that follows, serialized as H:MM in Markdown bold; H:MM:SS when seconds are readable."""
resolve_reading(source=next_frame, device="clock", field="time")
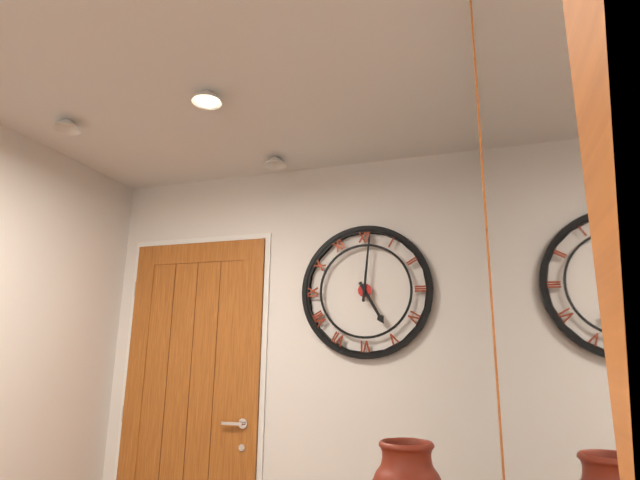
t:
**5:01**
